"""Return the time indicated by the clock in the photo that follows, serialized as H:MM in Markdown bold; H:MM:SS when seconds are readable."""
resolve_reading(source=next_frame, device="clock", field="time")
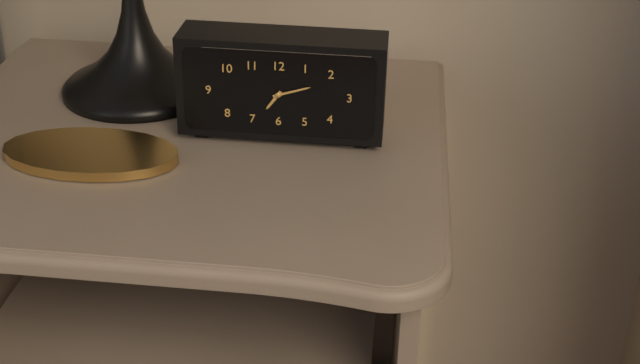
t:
**7:12**
